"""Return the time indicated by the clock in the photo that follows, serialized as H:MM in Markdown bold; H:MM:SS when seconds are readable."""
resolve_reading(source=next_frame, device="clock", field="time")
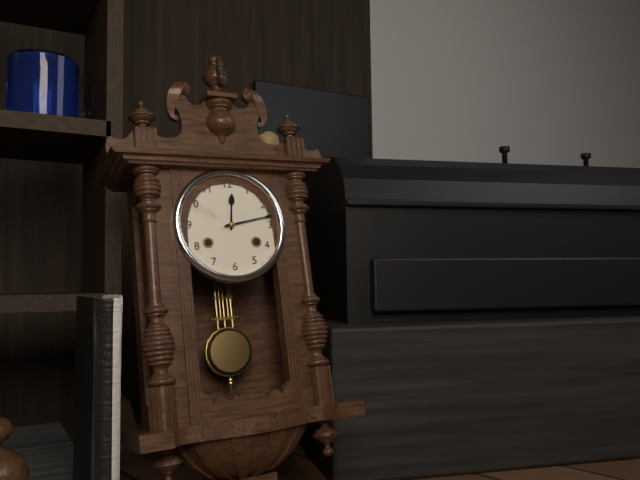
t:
**12:13**
